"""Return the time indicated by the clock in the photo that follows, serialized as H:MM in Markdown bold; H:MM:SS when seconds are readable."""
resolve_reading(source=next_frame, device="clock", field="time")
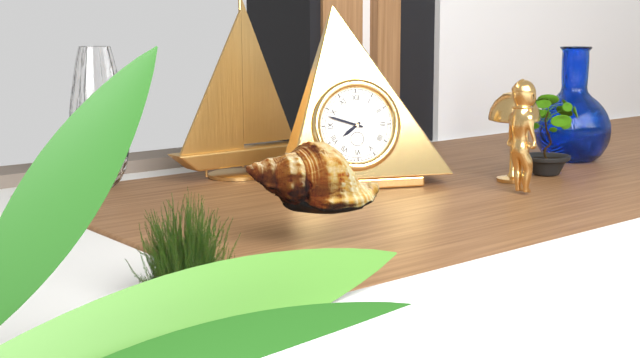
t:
**7:48**
